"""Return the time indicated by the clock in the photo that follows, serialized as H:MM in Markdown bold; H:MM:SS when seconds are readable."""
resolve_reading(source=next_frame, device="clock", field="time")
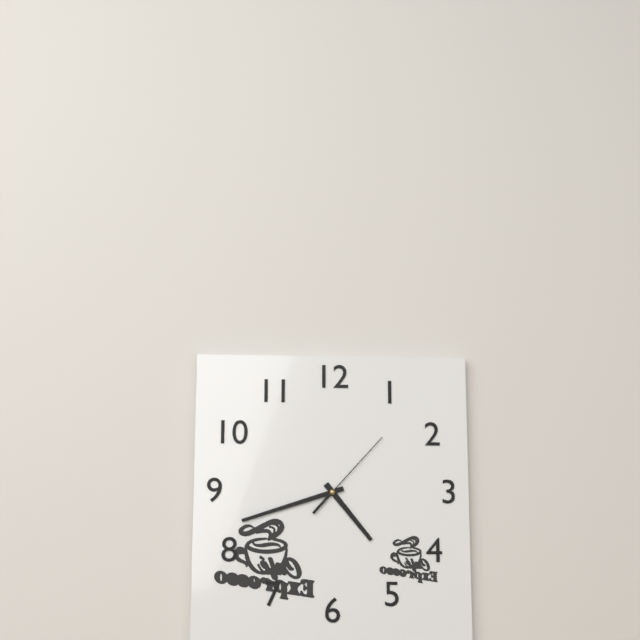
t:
**4:42:07**
